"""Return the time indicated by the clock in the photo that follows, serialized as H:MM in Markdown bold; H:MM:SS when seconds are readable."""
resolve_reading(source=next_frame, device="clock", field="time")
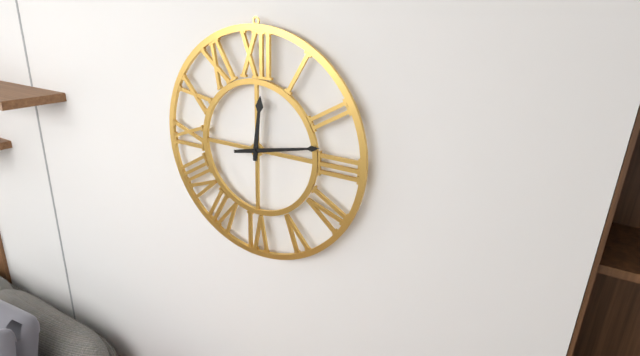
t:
**12:13**
